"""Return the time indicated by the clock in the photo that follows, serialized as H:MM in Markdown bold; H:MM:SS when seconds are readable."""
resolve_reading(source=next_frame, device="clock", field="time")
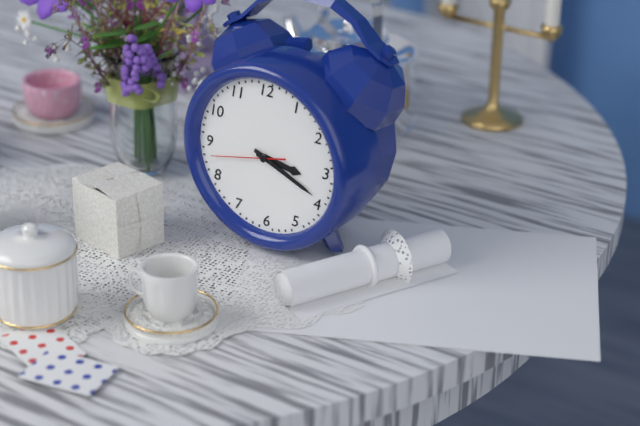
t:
**3:19:43**
